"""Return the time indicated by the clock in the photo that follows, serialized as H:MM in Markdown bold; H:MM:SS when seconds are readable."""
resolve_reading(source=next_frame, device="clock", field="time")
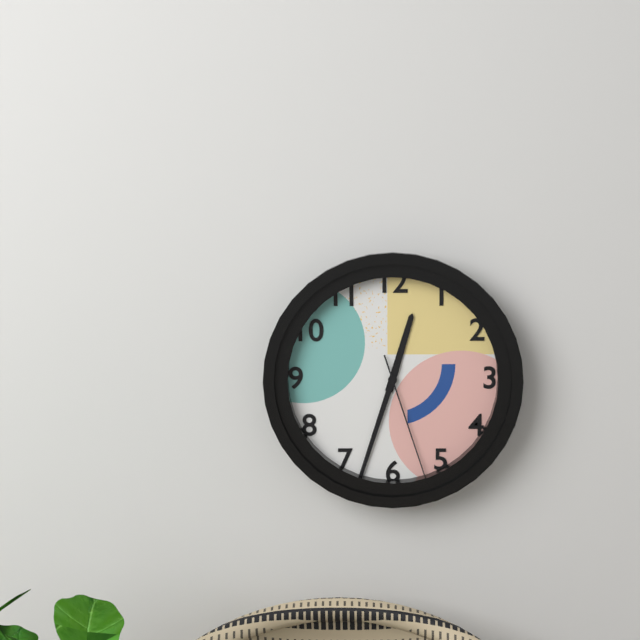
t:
**12:33:27**
